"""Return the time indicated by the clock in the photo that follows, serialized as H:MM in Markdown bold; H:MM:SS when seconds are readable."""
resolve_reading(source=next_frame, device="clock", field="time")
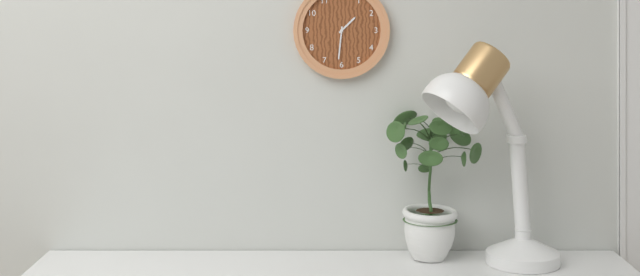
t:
**1:31**
